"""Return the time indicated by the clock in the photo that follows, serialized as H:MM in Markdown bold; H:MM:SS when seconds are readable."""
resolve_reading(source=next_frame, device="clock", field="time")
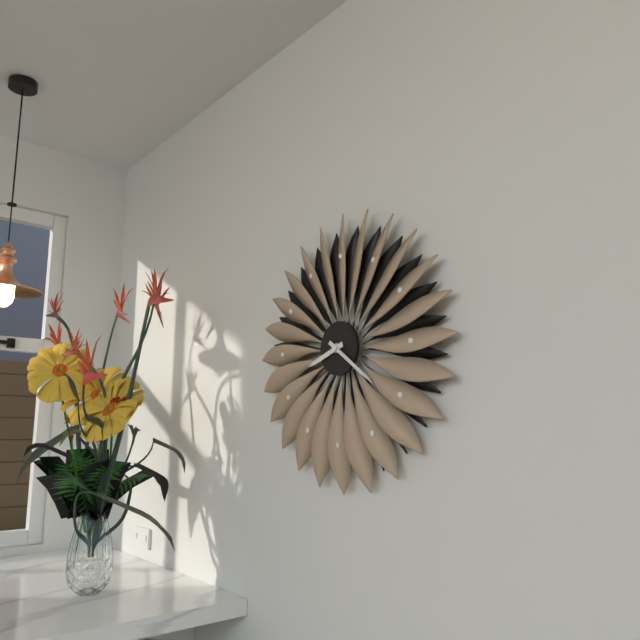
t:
**8:21**
